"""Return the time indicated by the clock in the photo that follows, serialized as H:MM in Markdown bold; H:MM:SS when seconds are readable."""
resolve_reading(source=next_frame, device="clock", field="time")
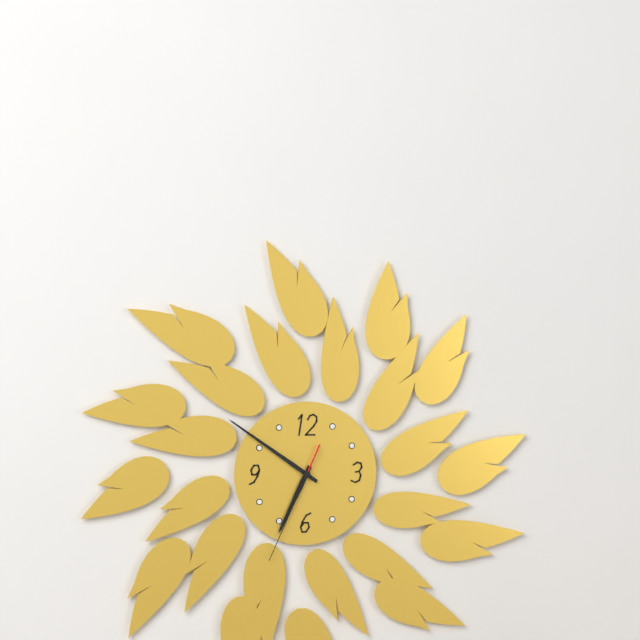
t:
**6:51:34**
